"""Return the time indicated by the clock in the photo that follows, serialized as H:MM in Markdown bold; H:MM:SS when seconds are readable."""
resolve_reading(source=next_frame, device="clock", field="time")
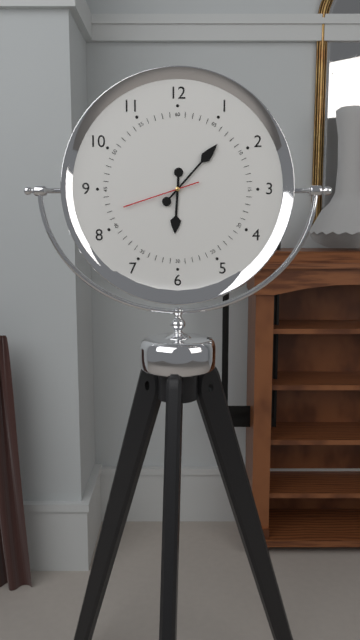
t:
**6:07:42**
